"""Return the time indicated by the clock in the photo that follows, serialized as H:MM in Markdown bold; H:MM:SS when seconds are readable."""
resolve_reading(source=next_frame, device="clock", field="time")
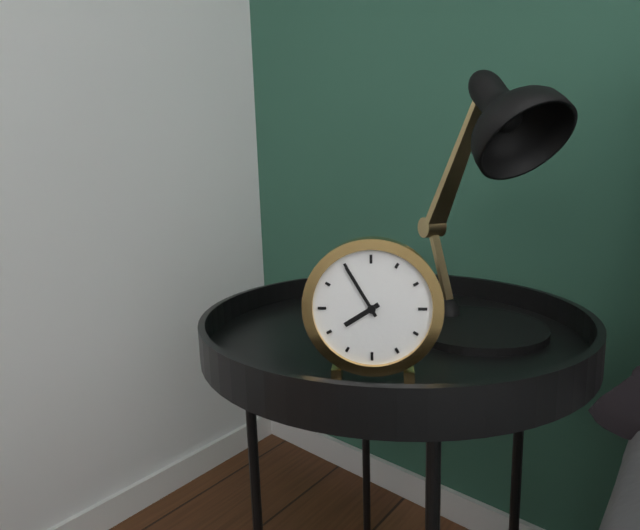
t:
**7:55**
